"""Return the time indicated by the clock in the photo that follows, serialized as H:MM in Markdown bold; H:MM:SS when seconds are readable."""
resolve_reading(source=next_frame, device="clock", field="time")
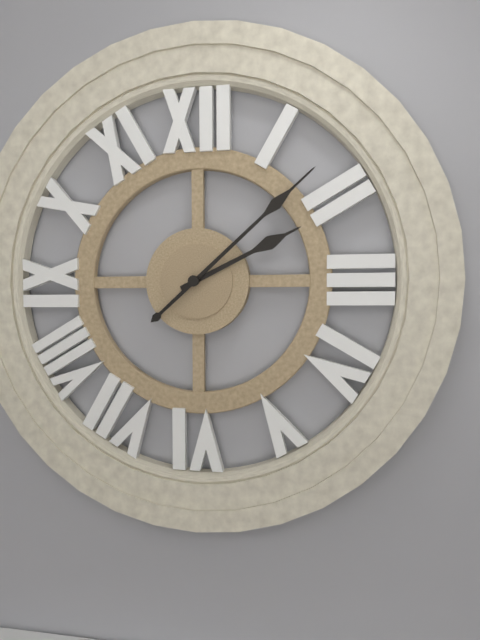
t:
**2:08**
